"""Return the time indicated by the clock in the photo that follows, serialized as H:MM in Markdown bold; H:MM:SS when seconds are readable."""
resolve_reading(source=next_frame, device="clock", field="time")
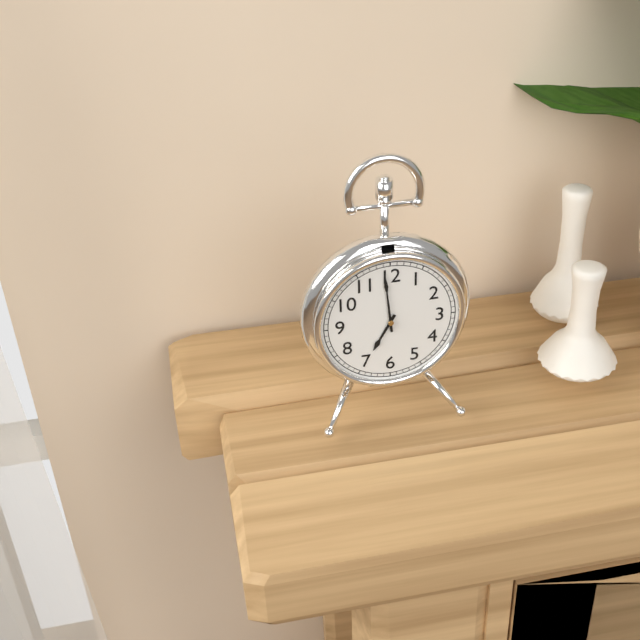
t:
**6:59**
